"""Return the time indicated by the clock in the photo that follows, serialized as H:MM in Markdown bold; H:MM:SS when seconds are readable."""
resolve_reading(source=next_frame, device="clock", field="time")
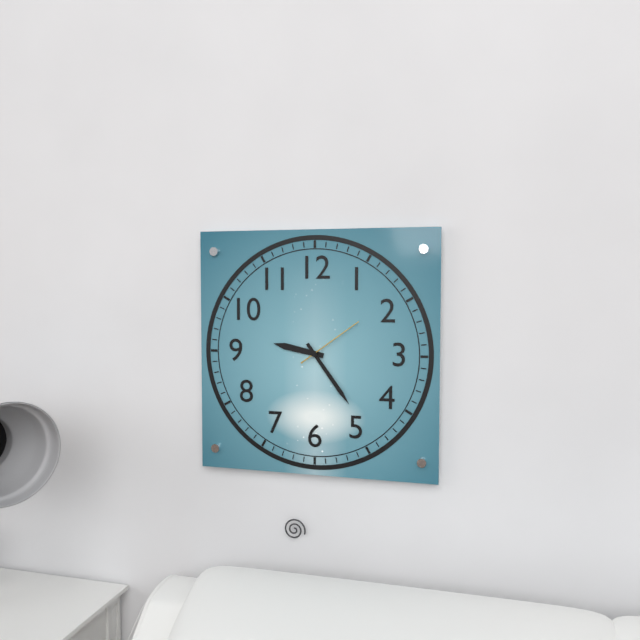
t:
**9:24:09**
